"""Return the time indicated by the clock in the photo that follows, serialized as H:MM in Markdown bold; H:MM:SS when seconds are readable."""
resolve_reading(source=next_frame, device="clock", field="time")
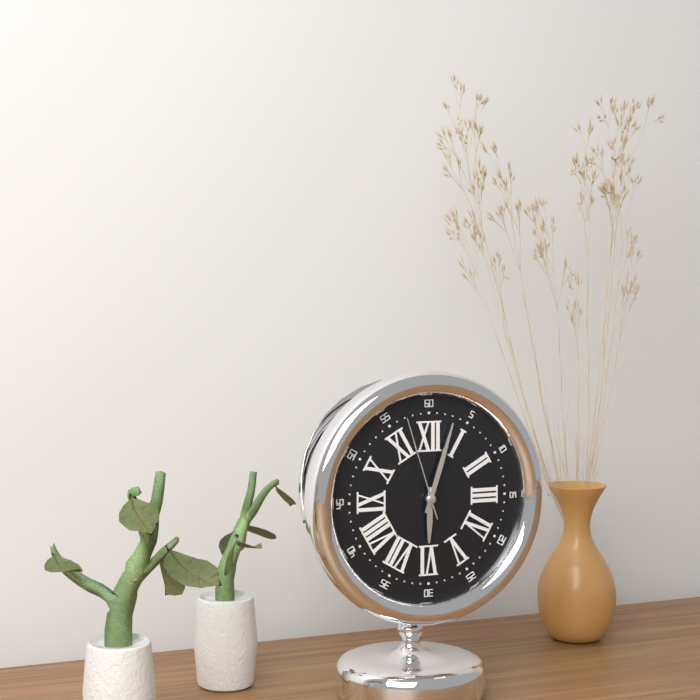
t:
**6:03:57**
